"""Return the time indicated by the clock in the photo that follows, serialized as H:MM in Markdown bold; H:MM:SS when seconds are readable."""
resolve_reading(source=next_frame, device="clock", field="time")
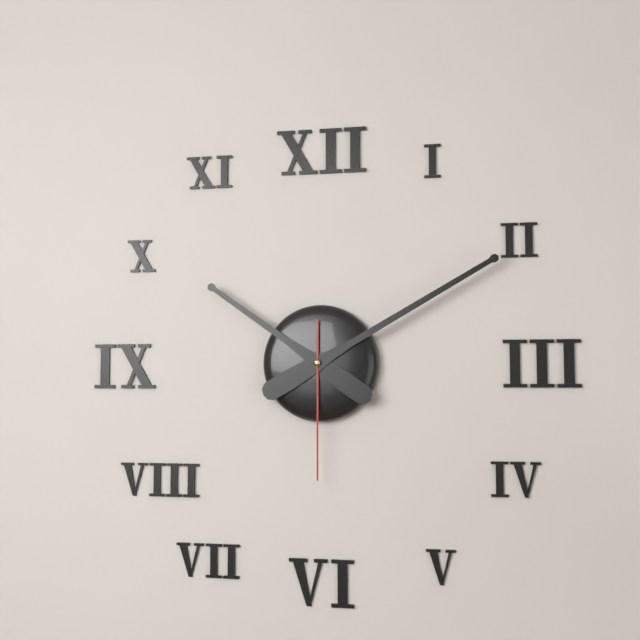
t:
**10:10:30**
